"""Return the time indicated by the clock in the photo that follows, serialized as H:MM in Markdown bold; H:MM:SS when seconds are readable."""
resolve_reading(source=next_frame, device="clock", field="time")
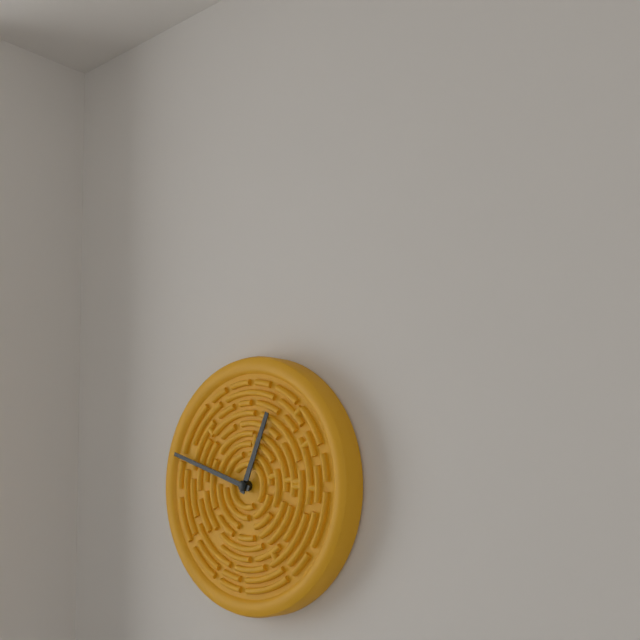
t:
**12:48**
